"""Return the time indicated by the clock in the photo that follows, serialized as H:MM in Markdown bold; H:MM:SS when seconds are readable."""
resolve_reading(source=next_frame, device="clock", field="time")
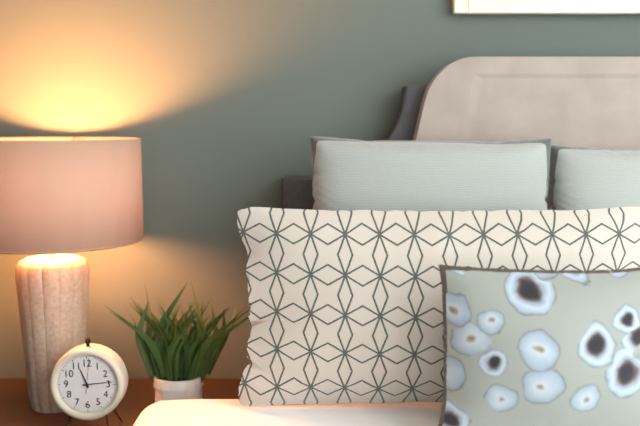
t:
**11:14**
